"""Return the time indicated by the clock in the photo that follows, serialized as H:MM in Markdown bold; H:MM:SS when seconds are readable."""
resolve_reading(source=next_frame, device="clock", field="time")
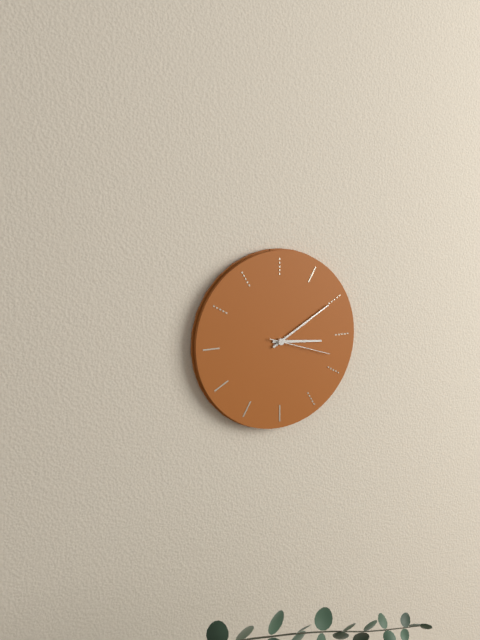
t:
**3:10:18**
